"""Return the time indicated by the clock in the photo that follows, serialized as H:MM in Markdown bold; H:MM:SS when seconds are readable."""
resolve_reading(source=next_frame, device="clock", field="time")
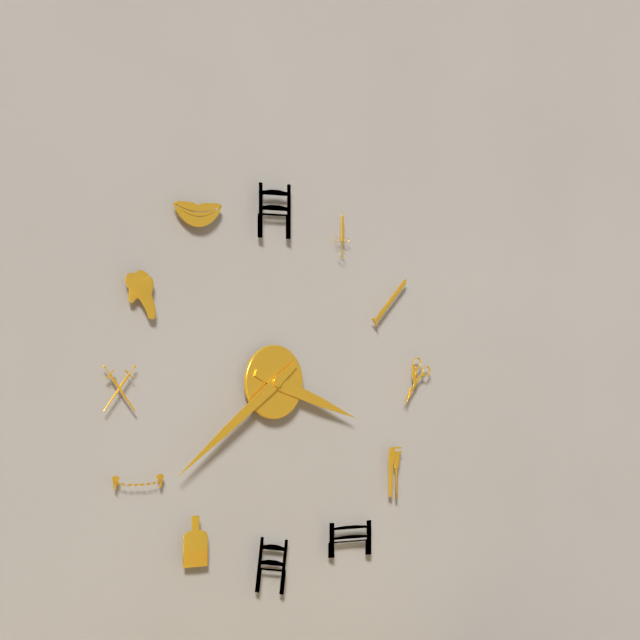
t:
**3:39**
